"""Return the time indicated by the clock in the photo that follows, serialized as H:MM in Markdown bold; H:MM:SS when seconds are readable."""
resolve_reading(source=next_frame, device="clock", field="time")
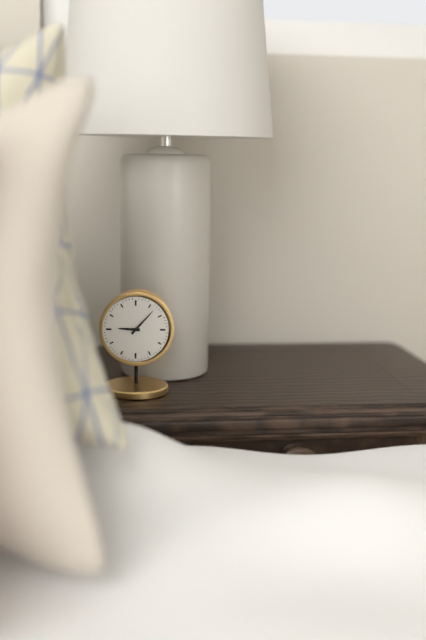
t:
**9:07**
